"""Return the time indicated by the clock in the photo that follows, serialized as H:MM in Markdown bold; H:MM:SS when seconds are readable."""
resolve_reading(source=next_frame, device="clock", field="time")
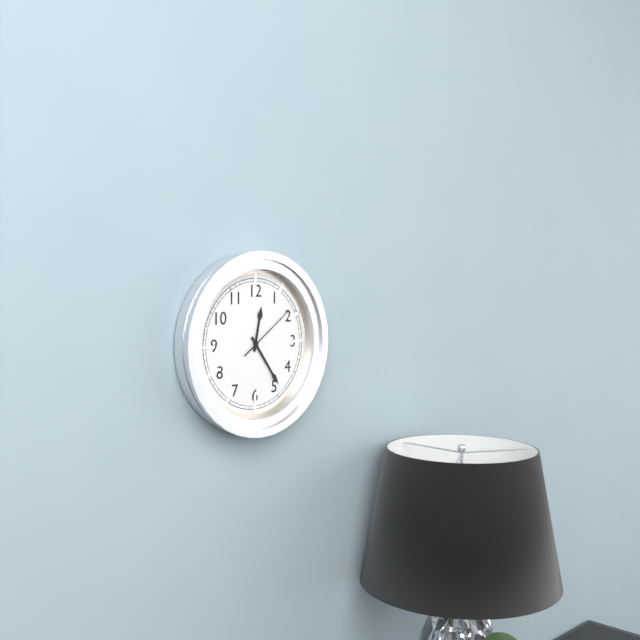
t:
**12:24:09**
